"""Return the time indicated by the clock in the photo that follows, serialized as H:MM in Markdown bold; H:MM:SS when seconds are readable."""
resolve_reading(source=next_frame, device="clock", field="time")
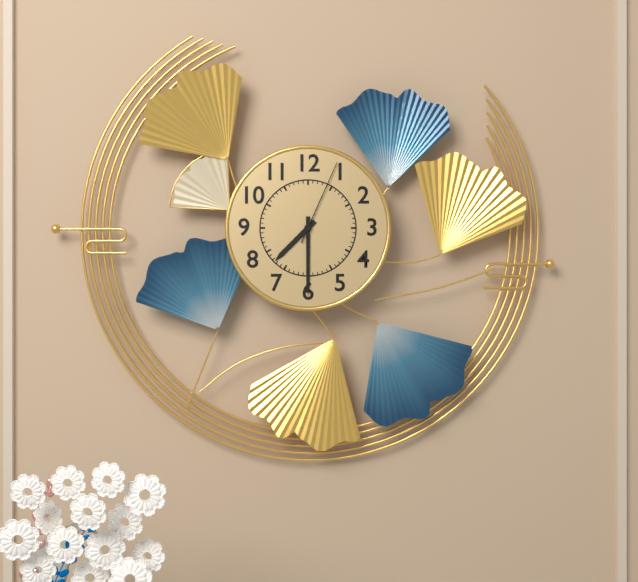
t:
**7:30:04**
